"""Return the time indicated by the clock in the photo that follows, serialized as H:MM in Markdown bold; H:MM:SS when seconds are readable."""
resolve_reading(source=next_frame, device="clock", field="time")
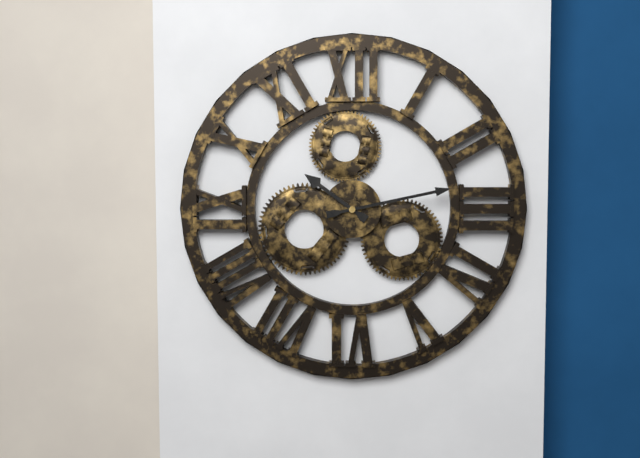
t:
**10:13**
